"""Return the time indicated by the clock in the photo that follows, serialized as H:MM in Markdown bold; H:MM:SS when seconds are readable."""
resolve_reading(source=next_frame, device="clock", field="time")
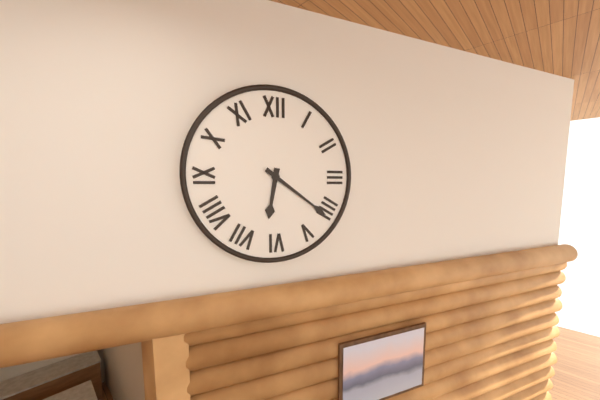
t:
**6:21**
